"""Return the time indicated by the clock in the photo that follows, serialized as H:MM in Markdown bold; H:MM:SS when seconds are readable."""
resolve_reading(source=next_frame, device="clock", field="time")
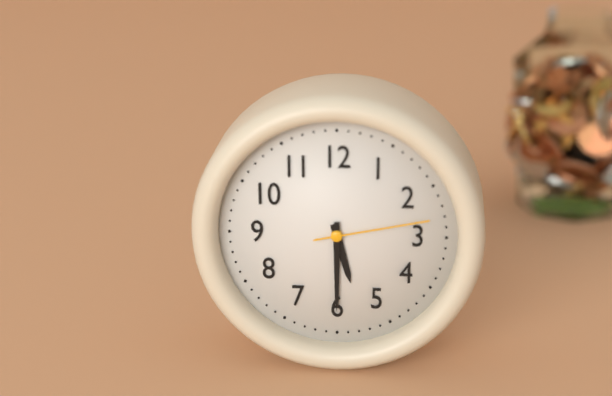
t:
**5:30:13**
